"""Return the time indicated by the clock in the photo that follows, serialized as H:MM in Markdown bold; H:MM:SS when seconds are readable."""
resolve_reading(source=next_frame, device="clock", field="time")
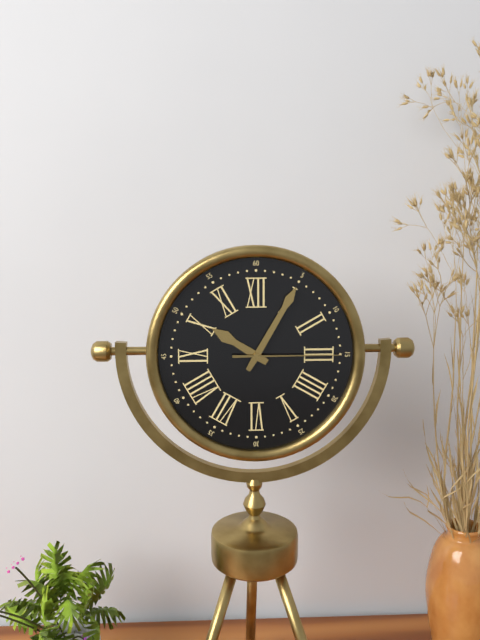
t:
**10:05:15**
